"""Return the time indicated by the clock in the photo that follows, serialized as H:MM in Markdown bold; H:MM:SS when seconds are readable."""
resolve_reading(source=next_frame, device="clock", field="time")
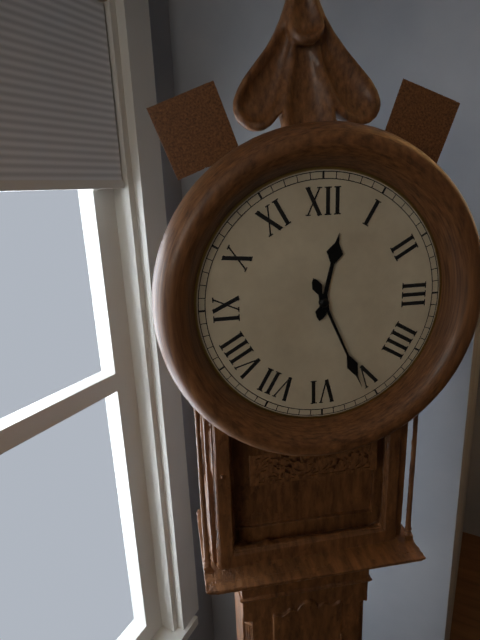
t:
**12:26**
